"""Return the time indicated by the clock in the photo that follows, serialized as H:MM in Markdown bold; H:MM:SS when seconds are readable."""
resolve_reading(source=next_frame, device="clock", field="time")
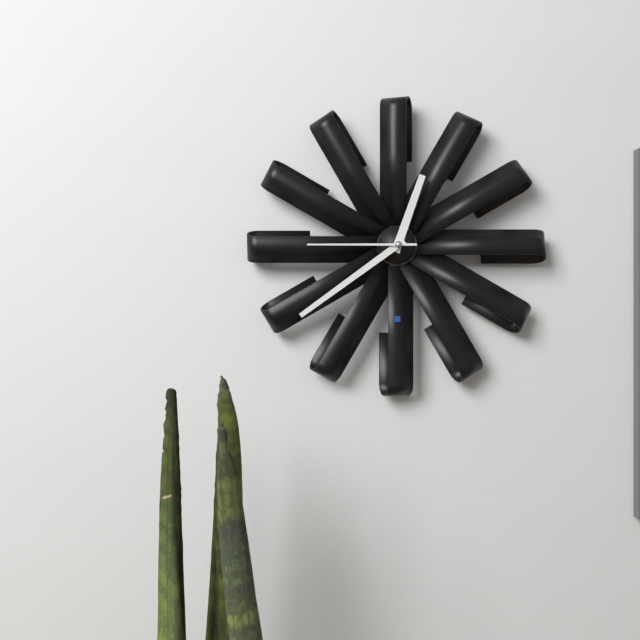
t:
**12:39:45**
